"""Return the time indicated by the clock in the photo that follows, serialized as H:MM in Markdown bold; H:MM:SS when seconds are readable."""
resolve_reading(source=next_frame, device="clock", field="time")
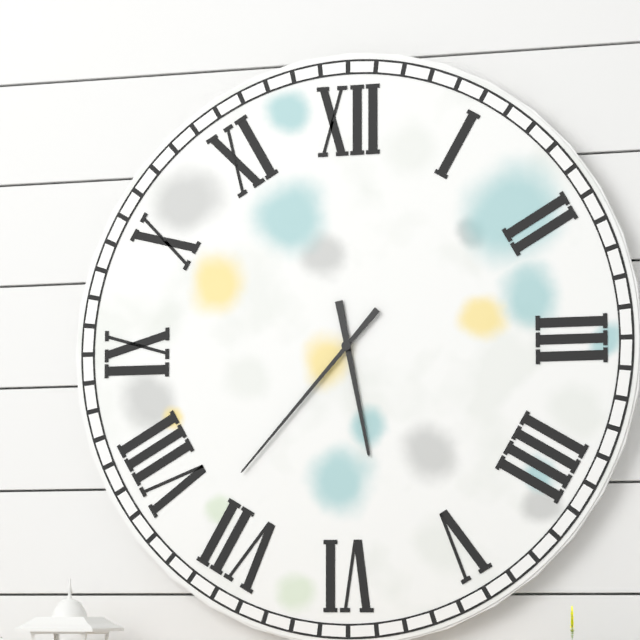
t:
**5:37**
